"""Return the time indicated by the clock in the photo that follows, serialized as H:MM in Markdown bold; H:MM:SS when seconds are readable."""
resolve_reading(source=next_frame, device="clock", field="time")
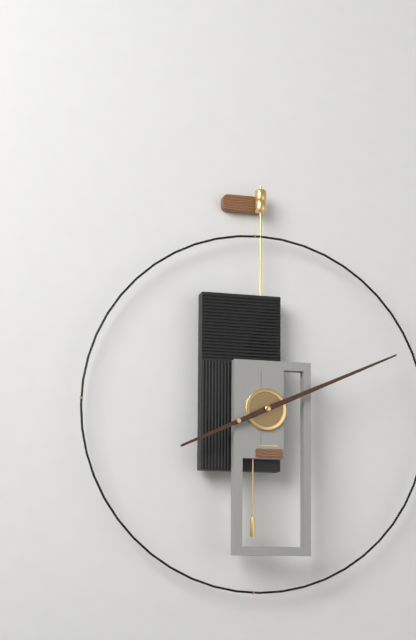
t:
**8:11**
